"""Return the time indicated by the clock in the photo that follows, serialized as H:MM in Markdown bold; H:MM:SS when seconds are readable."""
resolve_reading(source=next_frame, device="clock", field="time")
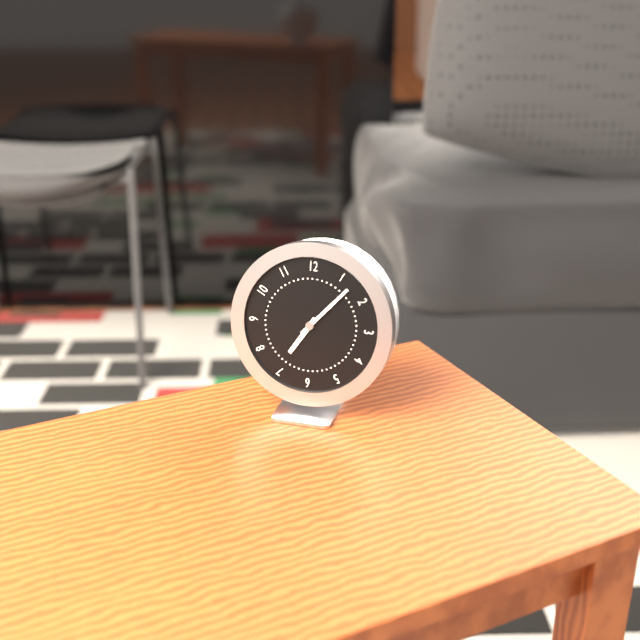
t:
**7:07**
